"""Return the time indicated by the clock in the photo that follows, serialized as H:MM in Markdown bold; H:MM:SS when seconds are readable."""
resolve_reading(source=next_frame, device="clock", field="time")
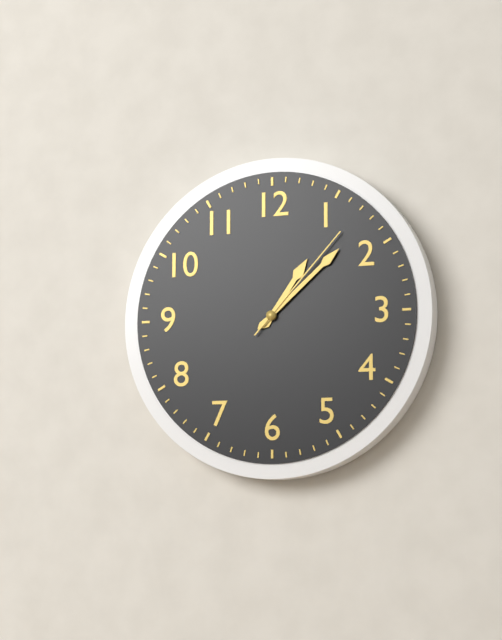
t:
**1:08:07**
